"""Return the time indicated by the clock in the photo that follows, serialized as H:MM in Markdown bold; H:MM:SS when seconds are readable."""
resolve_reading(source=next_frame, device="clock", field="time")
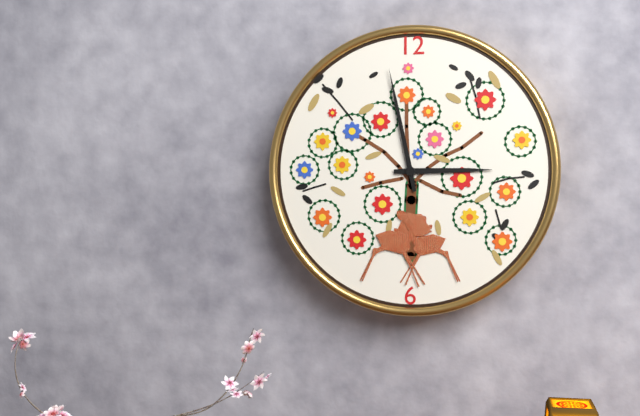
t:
**2:58**
